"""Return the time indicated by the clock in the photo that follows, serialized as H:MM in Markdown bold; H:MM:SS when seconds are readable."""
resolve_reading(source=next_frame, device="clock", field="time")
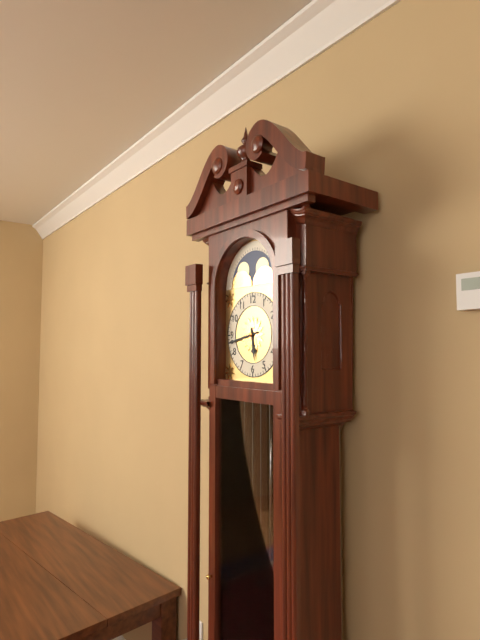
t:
**5:43**
